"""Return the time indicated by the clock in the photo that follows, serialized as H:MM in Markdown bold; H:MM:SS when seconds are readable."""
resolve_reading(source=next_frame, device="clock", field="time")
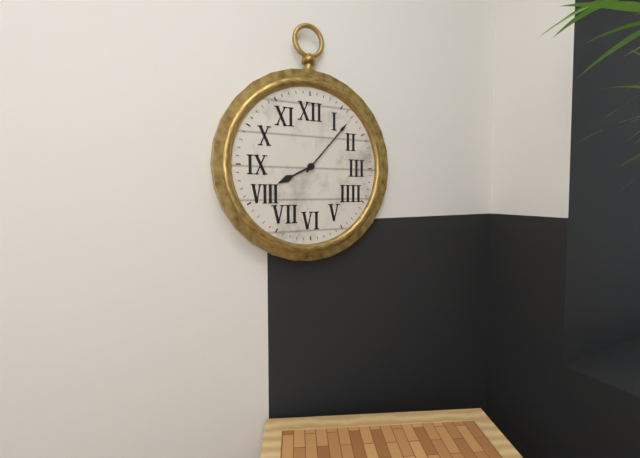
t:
**8:07**
